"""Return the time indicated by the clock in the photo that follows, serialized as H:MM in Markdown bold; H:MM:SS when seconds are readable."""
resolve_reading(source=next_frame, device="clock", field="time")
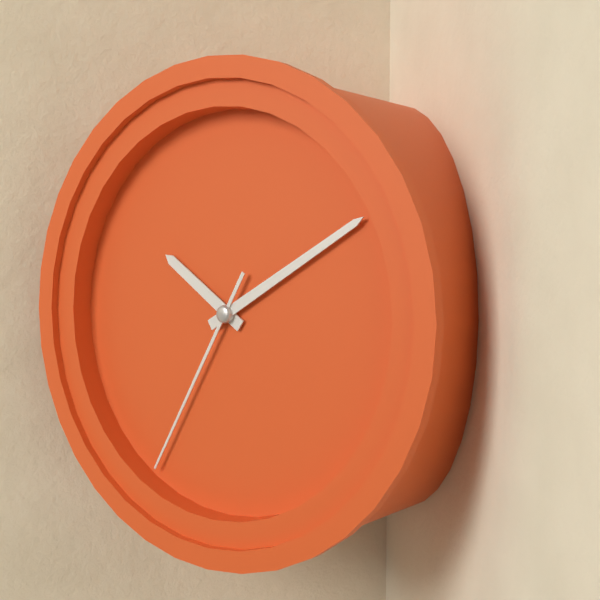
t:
**10:10:35**
